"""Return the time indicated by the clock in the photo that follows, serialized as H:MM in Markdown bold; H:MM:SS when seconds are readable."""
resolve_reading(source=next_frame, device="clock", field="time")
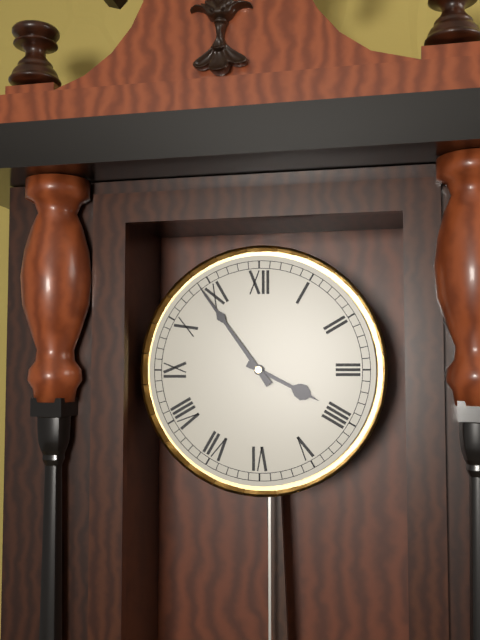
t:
**3:54**
